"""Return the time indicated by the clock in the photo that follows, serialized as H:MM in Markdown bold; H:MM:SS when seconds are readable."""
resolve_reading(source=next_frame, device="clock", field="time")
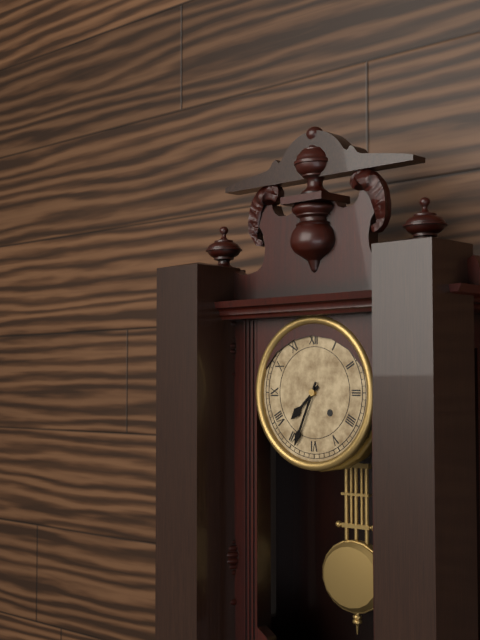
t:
**7:34**
